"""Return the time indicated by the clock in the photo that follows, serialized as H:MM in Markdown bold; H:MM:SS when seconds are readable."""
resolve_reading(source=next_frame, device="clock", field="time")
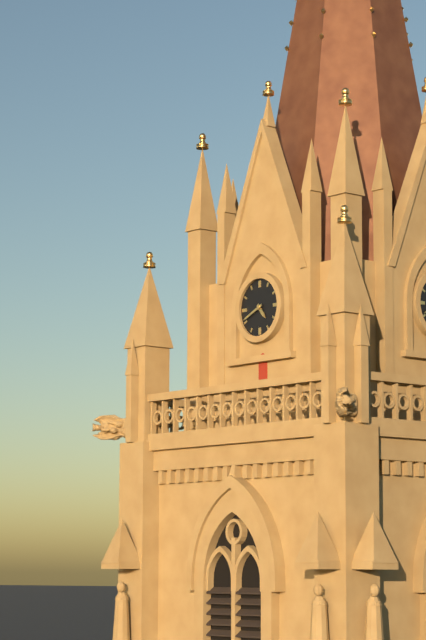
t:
**4:41**
